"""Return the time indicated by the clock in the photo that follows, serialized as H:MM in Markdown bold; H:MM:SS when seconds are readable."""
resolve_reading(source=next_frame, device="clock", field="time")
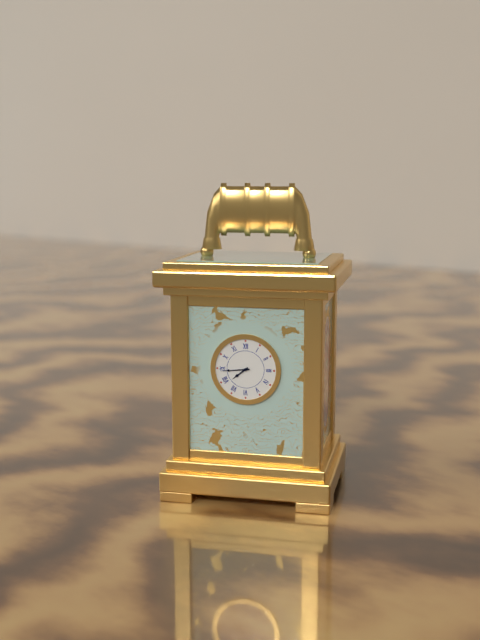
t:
**7:44**
